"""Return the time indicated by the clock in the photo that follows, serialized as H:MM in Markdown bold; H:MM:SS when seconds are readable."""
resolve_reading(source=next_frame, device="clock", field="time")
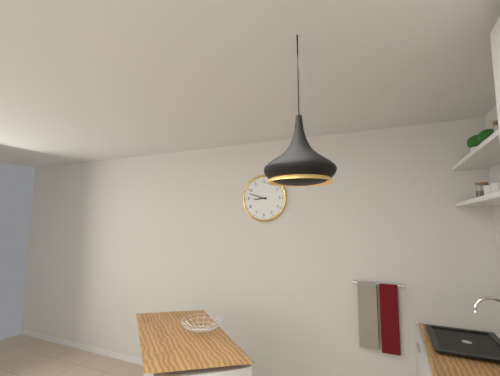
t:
**8:48**
